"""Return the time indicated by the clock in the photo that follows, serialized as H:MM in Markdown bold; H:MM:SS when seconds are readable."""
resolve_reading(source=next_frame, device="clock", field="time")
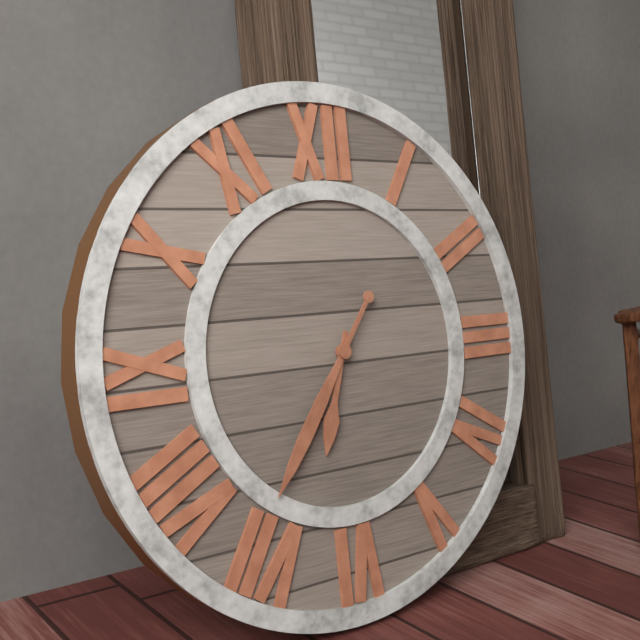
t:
**6:36**
